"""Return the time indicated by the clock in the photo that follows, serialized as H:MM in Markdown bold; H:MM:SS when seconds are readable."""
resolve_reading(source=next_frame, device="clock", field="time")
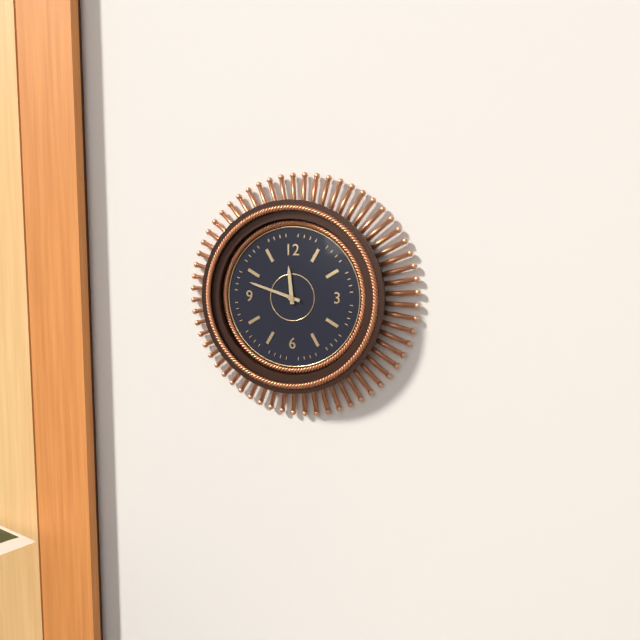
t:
**11:48**
